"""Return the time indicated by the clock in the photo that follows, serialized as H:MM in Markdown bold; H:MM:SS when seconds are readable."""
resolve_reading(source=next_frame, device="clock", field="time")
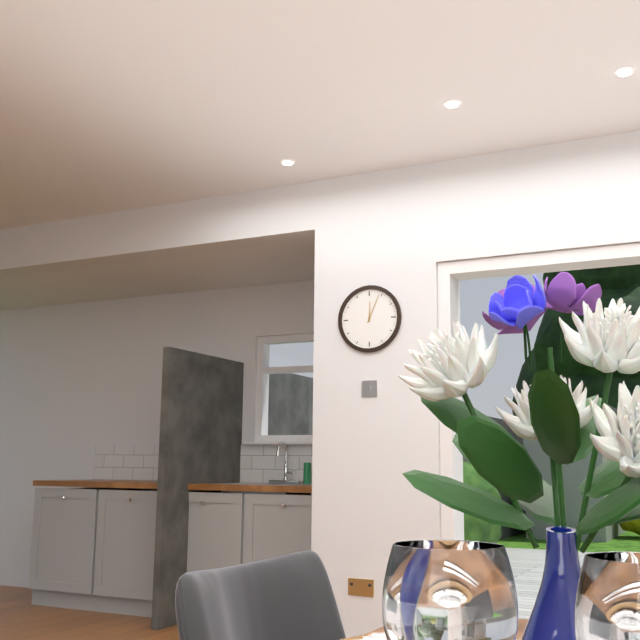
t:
**12:04**
